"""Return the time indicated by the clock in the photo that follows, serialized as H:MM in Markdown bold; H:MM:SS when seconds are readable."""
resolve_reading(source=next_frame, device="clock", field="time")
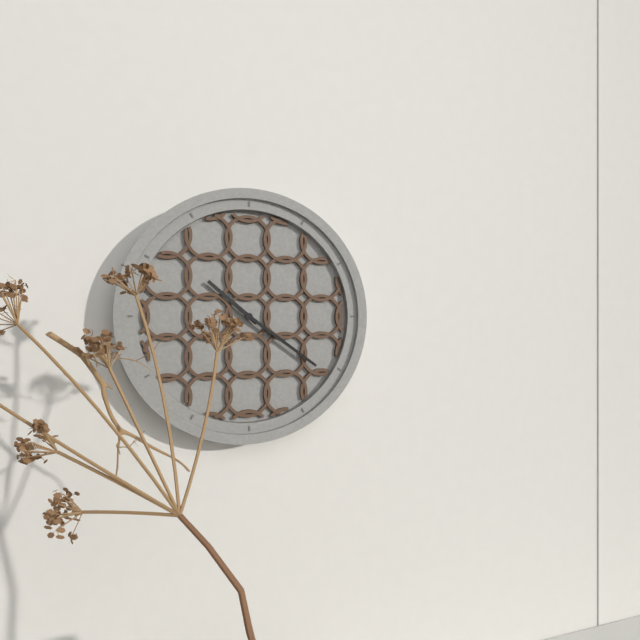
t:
**10:21**
